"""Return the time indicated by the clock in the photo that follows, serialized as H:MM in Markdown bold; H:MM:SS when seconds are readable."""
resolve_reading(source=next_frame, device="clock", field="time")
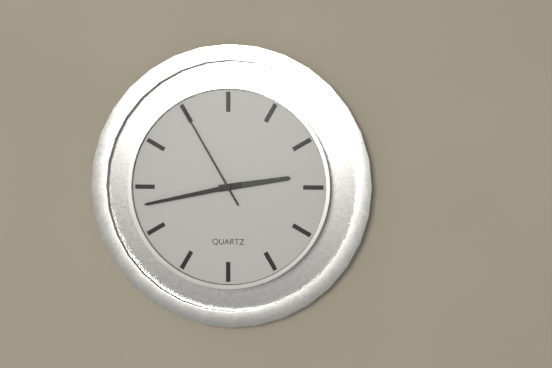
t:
**2:43:55**
